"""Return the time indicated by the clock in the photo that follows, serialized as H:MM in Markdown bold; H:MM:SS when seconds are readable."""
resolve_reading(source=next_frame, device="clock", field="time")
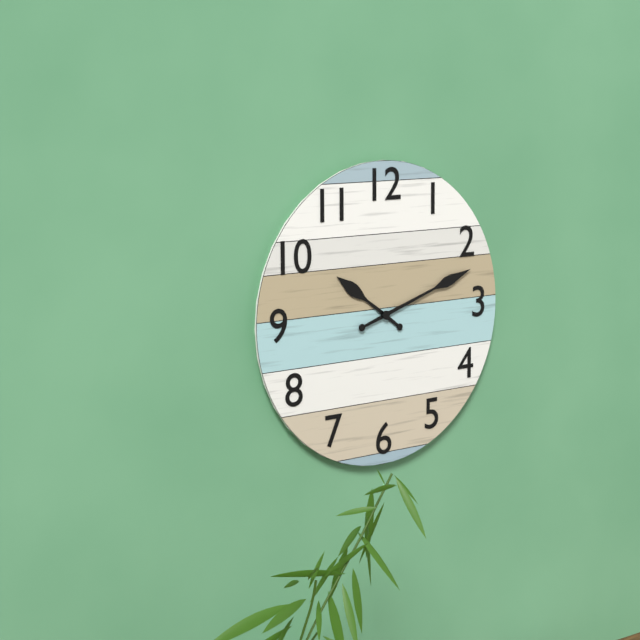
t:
**10:12**
